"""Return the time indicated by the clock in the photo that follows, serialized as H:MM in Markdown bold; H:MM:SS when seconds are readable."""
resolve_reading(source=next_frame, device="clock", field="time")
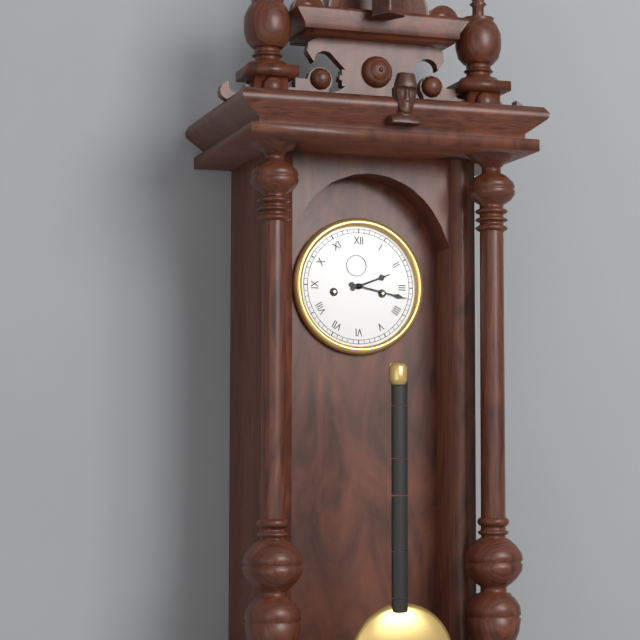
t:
**2:17**
